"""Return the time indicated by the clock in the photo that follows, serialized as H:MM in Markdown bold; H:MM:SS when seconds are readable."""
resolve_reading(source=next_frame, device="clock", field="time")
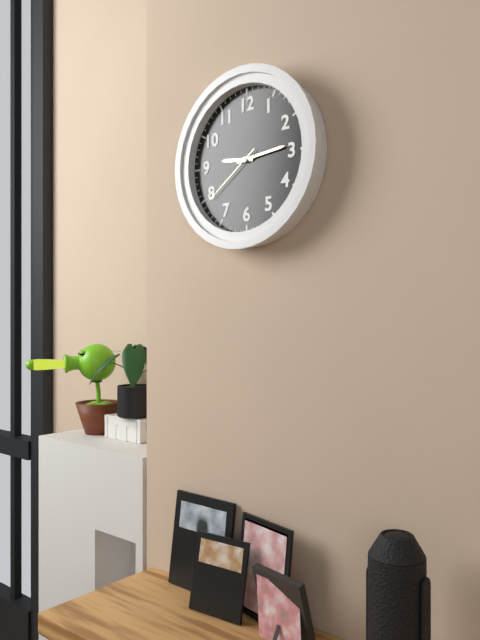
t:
**9:14:39**
